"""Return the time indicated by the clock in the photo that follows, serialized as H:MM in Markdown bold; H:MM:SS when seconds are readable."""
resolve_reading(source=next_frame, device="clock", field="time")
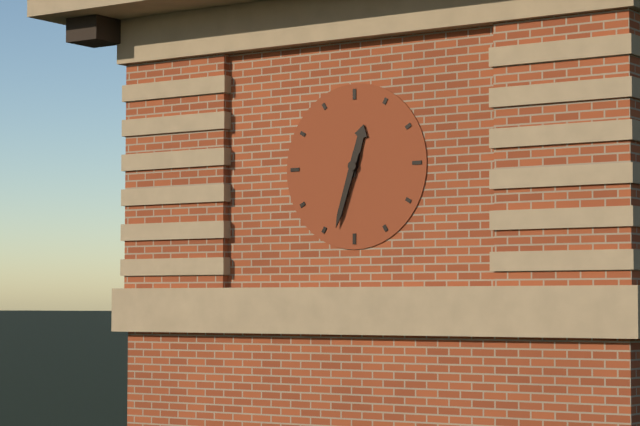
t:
**12:33**
